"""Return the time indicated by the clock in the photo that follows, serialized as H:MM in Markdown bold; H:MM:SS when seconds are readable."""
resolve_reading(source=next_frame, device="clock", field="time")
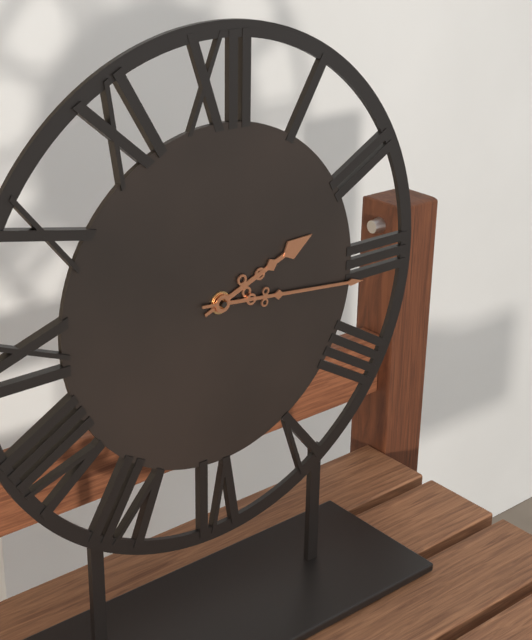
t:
**2:16**
